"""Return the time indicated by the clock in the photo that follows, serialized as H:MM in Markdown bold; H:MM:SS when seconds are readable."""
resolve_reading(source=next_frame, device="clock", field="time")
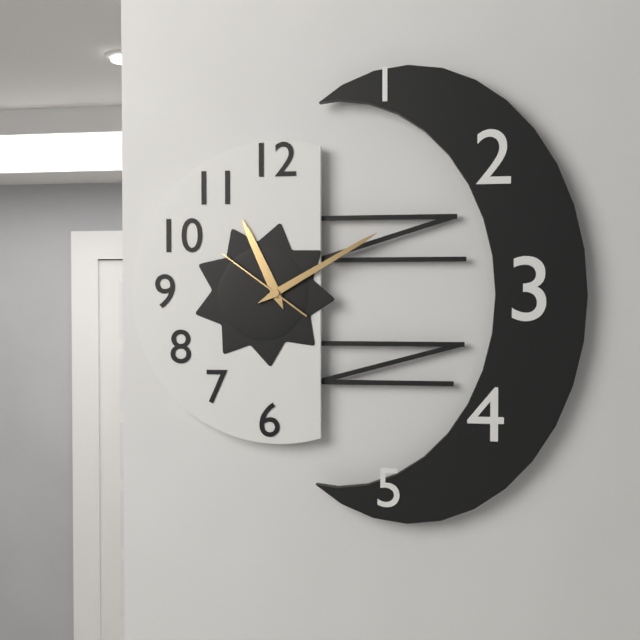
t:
**11:10:51**
